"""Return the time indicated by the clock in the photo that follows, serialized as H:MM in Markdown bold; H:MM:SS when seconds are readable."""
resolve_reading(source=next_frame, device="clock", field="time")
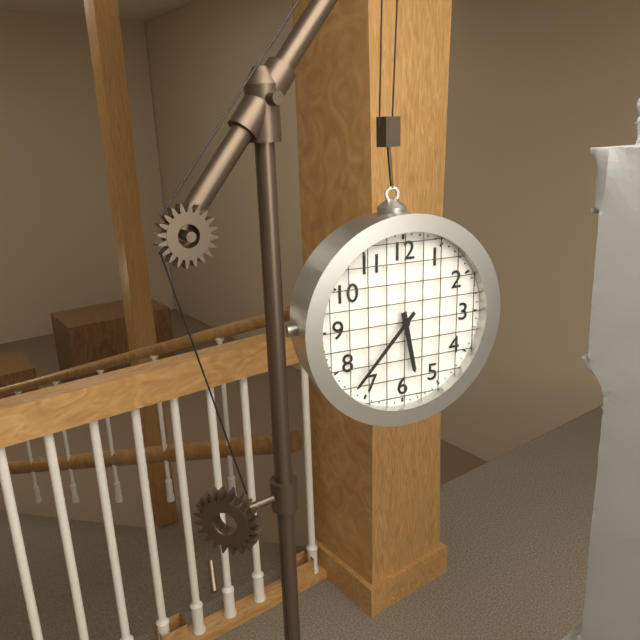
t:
**5:37**
